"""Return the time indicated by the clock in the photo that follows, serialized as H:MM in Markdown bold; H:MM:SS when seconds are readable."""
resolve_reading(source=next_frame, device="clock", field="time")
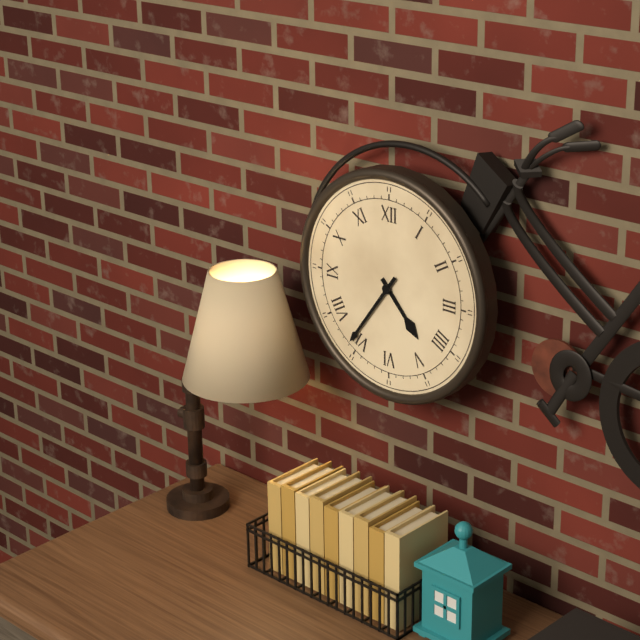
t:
**4:36**
